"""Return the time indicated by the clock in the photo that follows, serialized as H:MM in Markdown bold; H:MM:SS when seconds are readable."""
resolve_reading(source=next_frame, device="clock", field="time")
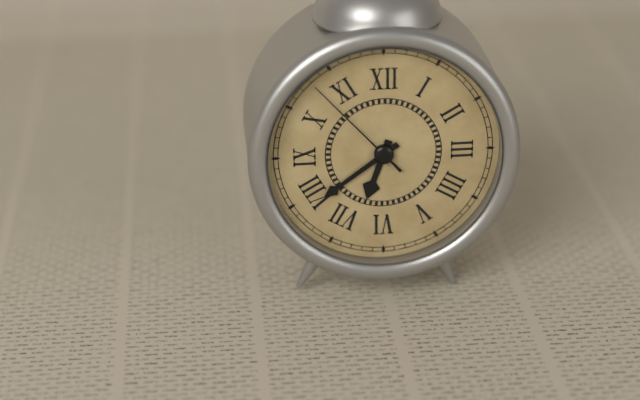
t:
**6:39:53**
